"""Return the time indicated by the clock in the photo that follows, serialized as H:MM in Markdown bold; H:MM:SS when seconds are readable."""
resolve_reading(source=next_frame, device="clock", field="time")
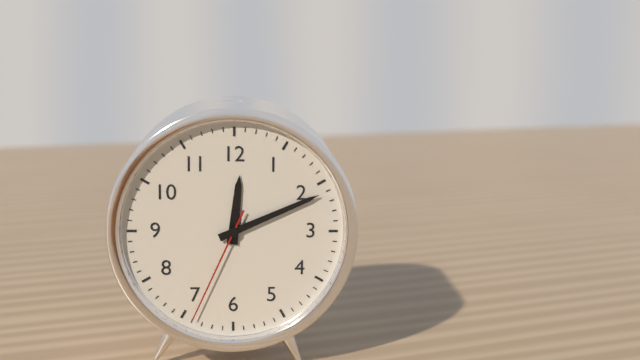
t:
**12:11:34**
